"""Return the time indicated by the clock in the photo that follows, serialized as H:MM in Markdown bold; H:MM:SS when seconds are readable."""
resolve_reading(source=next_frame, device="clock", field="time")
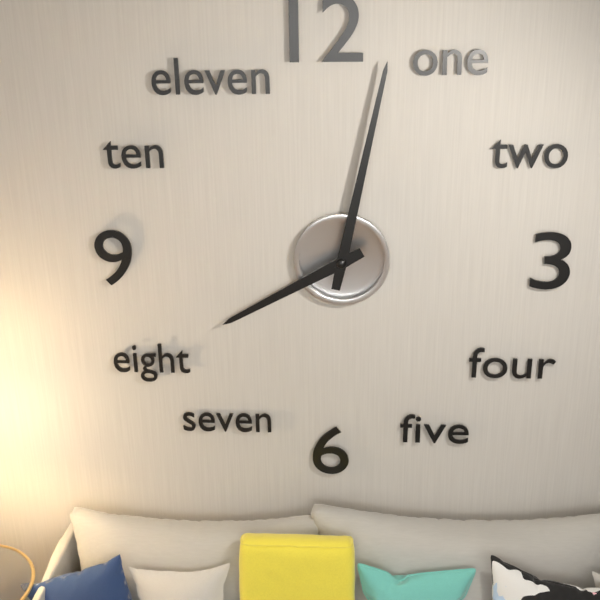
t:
**8:02**
